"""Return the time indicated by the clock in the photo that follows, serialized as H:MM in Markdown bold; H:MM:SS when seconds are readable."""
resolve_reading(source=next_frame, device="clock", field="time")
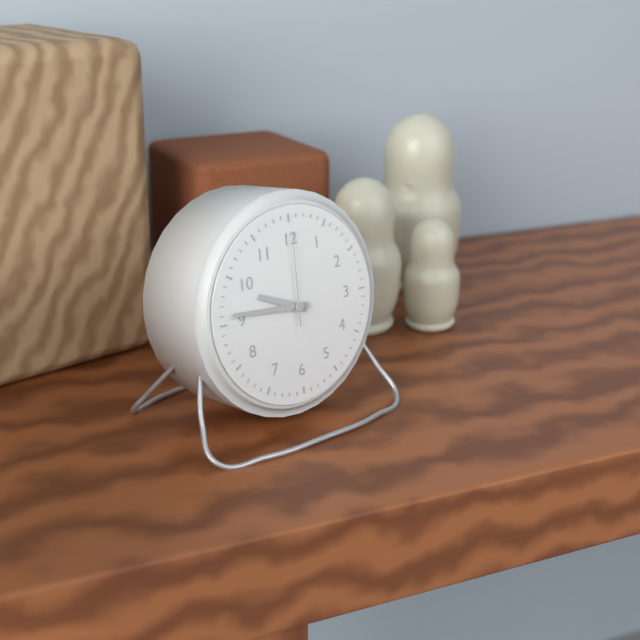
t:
**9:46:00**
